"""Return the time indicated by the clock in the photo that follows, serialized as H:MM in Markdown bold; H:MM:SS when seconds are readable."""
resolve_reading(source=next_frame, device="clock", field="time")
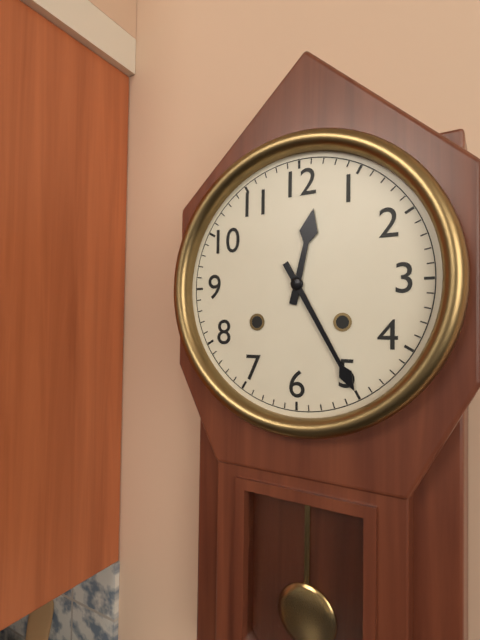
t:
**12:25**
